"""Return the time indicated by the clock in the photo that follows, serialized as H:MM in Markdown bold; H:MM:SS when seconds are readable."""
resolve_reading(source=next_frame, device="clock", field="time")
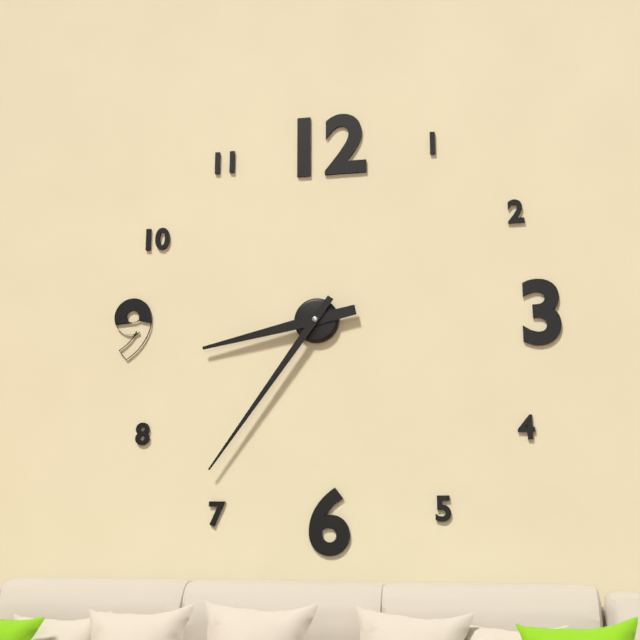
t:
**8:36**
